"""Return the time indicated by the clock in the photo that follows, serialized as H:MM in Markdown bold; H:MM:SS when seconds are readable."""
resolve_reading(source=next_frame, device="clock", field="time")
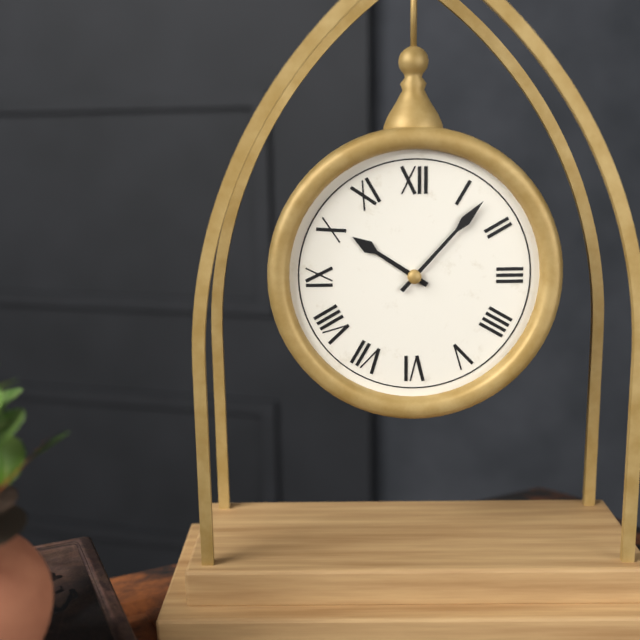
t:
**10:07**
